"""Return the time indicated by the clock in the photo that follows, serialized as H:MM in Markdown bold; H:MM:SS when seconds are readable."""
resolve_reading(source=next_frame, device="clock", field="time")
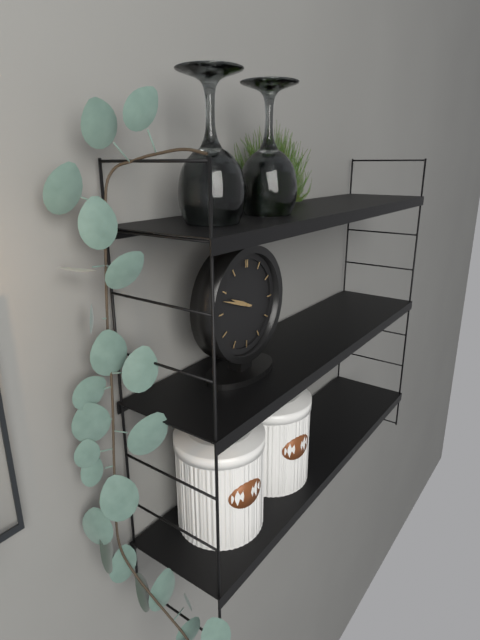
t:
**9:48**
